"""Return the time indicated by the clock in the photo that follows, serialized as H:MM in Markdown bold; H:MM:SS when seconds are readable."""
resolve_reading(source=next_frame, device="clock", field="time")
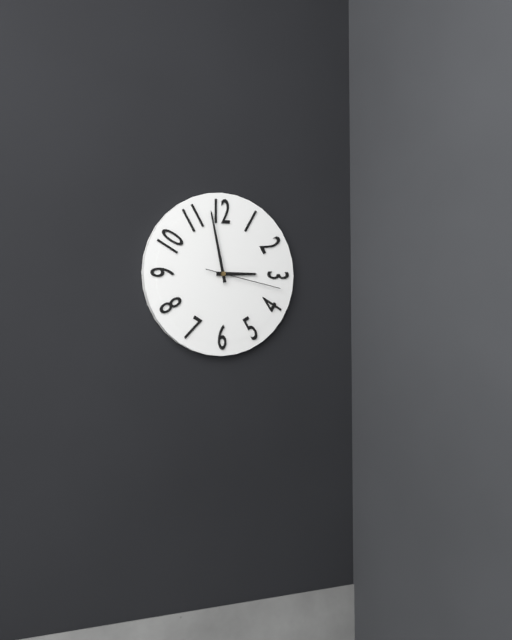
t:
**2:58:17**
